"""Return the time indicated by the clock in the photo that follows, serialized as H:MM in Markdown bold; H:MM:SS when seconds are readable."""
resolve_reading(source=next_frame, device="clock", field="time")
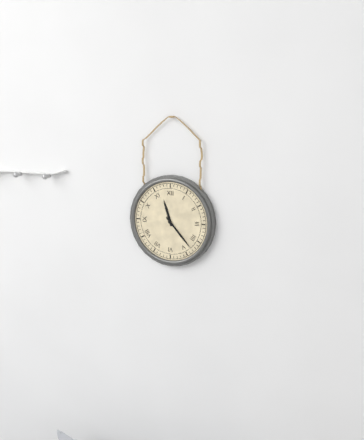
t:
**11:23**
